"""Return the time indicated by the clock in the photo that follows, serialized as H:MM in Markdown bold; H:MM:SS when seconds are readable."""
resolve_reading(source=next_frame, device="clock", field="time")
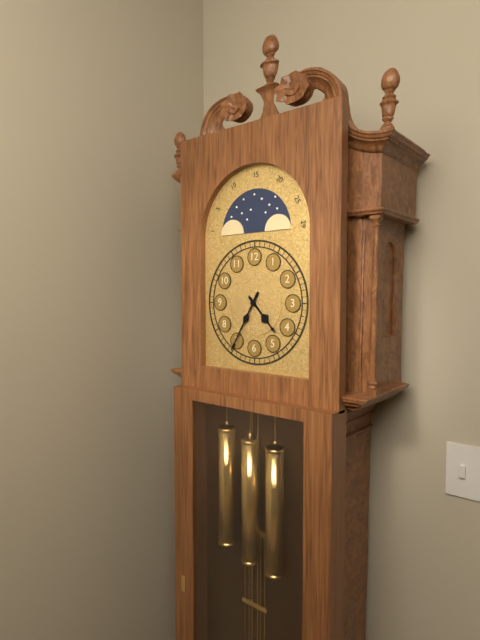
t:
**4:35**
